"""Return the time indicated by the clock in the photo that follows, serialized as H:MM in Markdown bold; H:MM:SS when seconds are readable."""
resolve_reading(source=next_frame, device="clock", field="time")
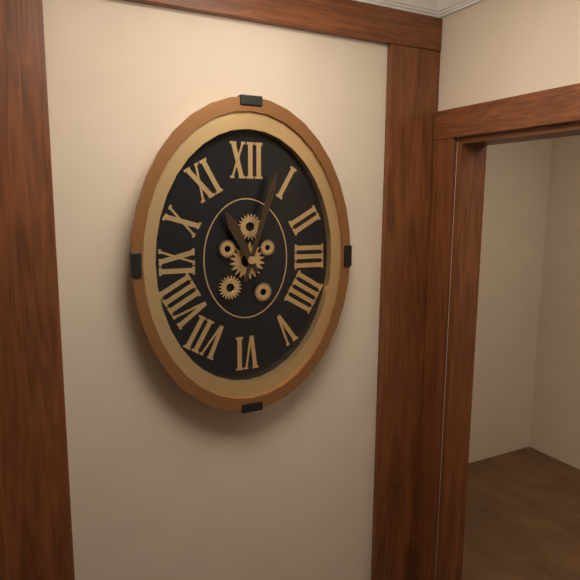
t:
**11:03**
